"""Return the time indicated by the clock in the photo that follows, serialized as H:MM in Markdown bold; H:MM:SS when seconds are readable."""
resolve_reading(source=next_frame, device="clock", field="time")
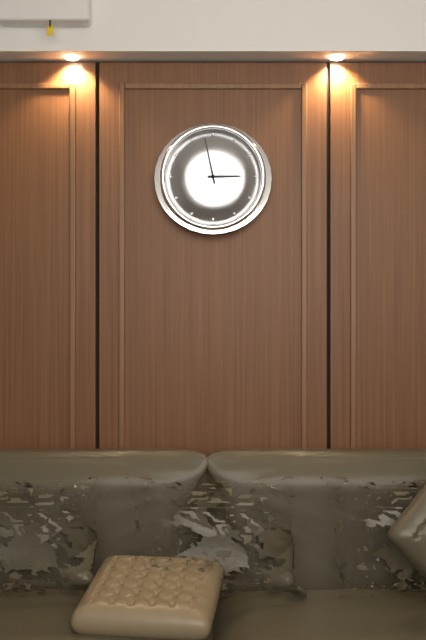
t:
**2:58**
